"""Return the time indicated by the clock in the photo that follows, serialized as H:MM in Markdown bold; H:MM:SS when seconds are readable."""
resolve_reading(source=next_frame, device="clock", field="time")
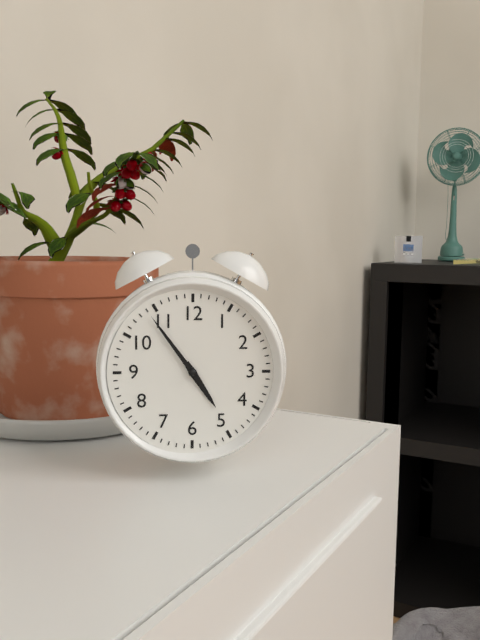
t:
**4:54**
